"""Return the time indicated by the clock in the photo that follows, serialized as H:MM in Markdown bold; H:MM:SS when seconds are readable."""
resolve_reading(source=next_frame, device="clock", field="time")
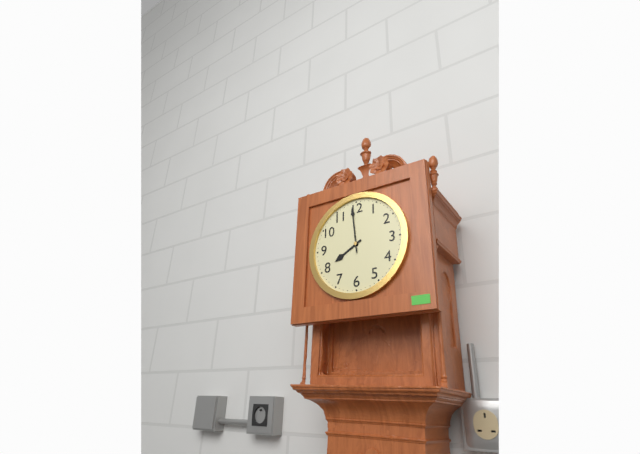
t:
**7:59**
